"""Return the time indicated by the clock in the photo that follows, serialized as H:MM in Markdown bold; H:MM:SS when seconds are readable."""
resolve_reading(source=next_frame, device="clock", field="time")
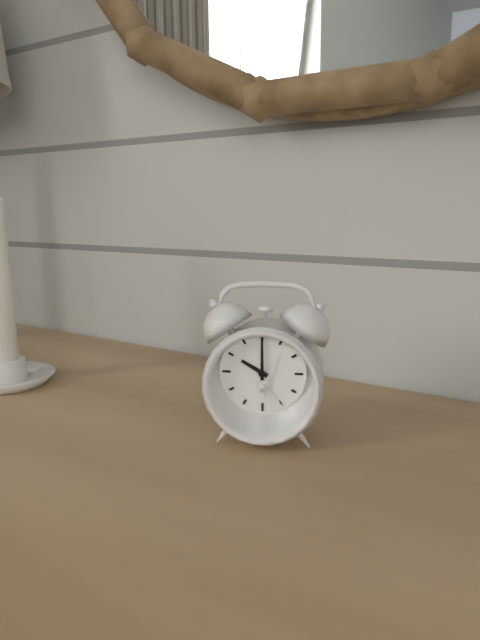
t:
**10:00**
